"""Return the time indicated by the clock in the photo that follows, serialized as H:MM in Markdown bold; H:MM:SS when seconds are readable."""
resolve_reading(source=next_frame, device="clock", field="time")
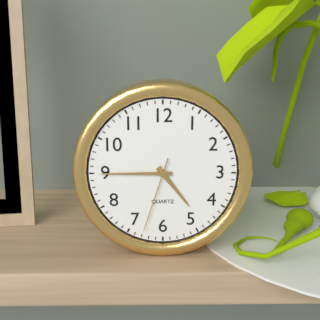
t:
**4:45:33**
